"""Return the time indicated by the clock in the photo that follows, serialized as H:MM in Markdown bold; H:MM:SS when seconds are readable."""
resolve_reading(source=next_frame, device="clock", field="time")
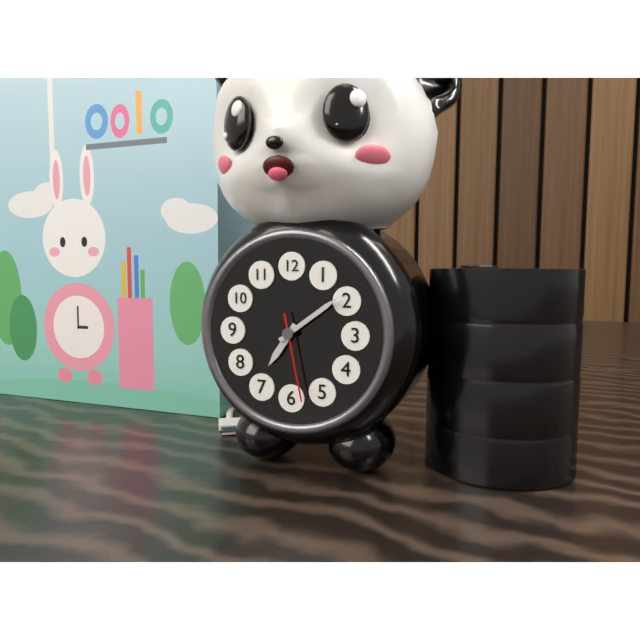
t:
**7:09:28**
